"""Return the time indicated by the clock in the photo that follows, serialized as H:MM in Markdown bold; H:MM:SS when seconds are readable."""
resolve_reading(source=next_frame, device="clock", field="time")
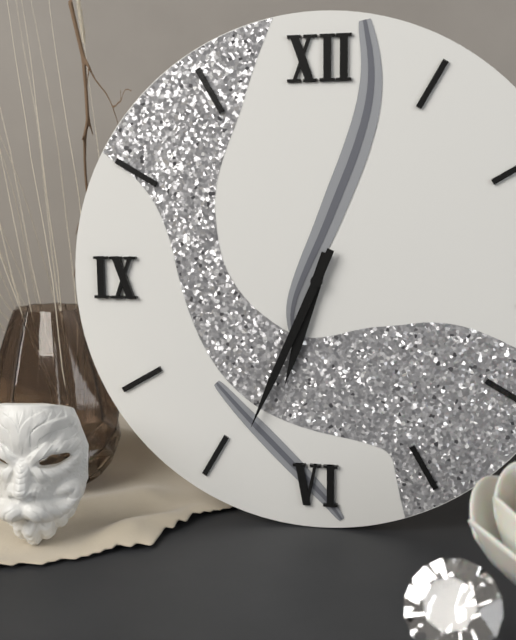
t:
**6:34**
